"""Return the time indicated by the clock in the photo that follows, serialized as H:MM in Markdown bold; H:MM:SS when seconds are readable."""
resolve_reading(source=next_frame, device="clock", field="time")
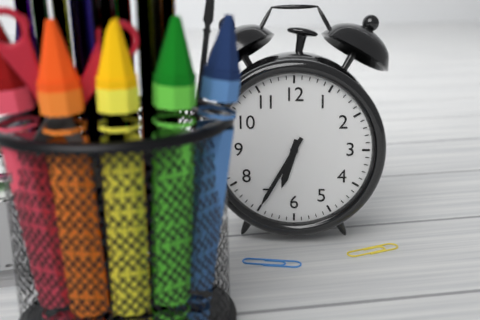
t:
**6:35**
